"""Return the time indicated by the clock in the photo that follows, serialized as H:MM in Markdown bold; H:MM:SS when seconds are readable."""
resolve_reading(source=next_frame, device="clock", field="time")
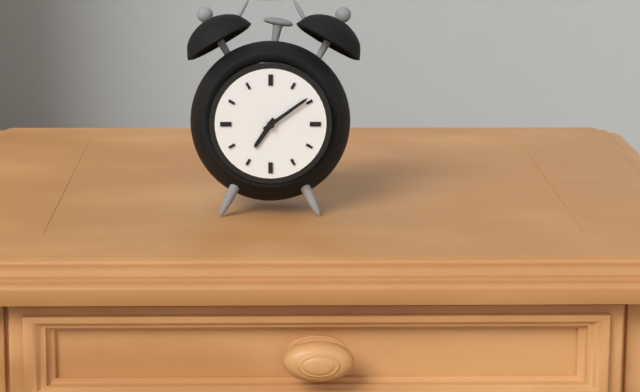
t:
**7:09**
